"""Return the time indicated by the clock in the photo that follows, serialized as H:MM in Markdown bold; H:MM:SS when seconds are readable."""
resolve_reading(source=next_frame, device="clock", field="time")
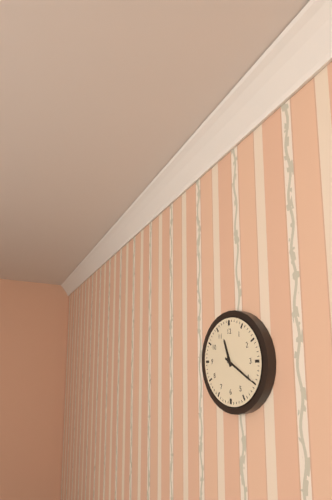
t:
**11:20**
